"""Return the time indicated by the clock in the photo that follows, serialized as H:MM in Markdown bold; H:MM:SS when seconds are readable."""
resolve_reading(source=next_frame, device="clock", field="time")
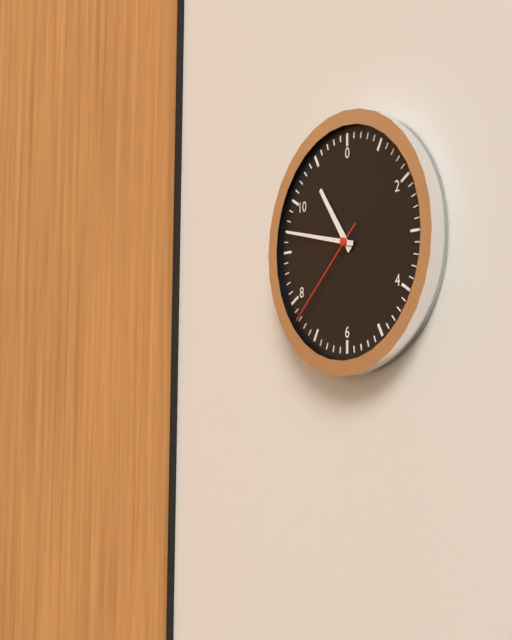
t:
**10:47:38**
